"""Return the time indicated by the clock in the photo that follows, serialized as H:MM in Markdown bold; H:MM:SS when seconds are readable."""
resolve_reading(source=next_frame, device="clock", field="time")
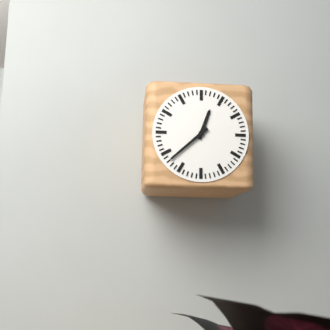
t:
**12:38**
